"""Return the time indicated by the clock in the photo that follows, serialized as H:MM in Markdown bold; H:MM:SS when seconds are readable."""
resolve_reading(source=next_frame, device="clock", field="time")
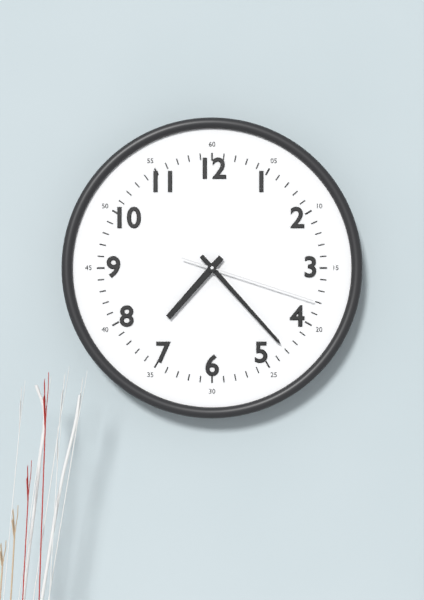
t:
**7:23:18**
